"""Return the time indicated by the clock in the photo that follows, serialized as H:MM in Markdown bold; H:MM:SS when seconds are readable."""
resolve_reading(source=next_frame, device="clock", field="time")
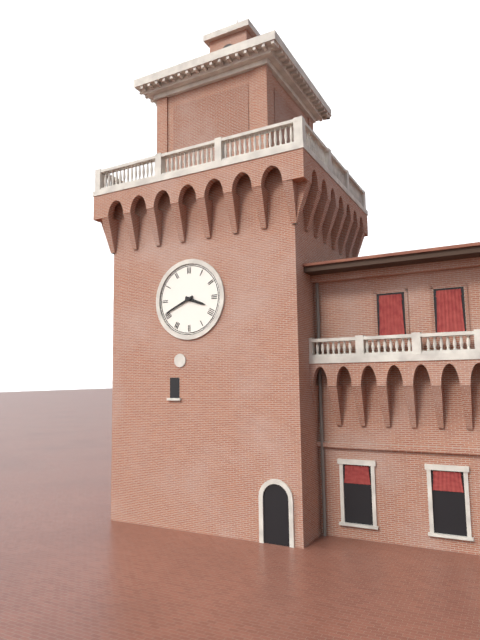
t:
**3:41**
